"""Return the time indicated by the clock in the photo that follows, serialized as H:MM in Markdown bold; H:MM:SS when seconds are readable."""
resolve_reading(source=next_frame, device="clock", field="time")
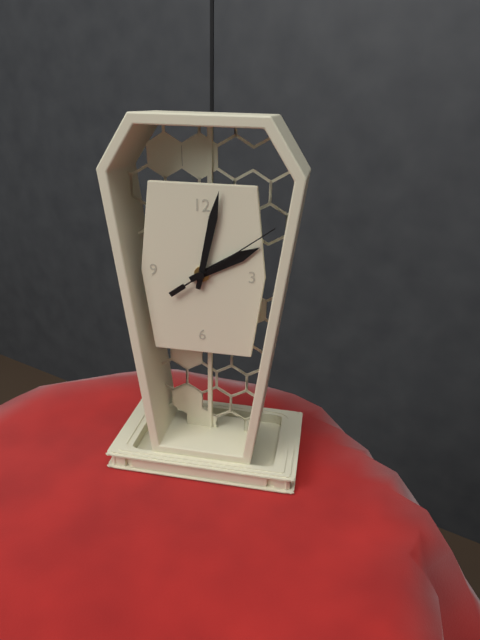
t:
**2:02:09**
